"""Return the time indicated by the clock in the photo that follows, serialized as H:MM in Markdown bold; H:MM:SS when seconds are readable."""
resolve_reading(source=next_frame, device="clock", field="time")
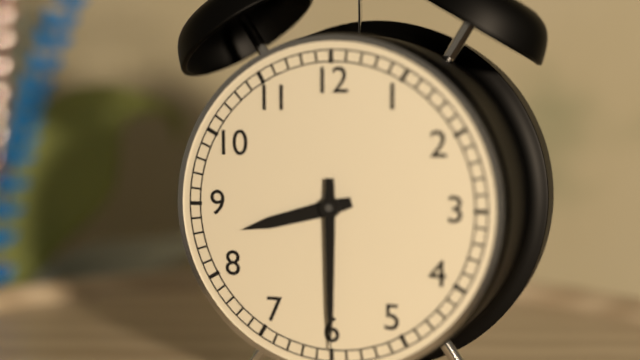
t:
**8:30**
